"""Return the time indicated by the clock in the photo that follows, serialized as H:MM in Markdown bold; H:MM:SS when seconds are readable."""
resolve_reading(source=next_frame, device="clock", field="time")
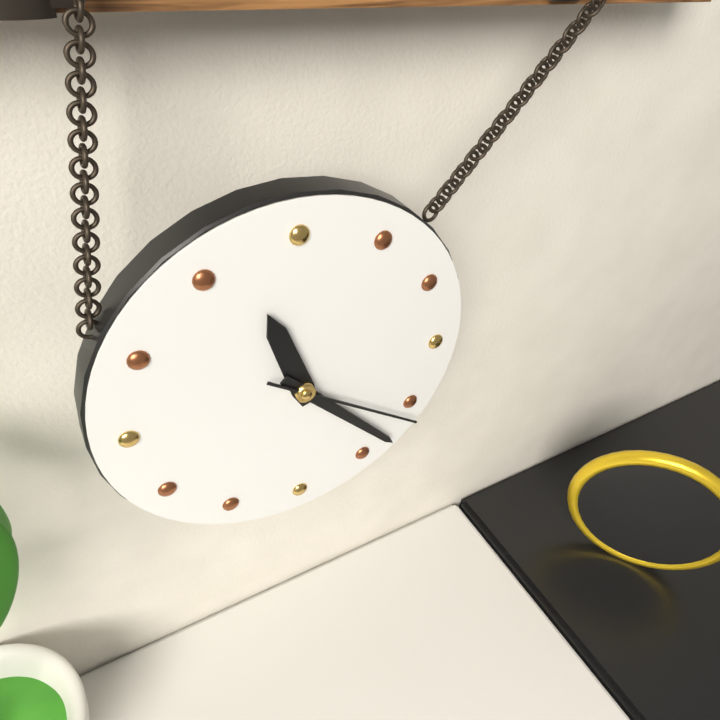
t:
**11:23:21**
